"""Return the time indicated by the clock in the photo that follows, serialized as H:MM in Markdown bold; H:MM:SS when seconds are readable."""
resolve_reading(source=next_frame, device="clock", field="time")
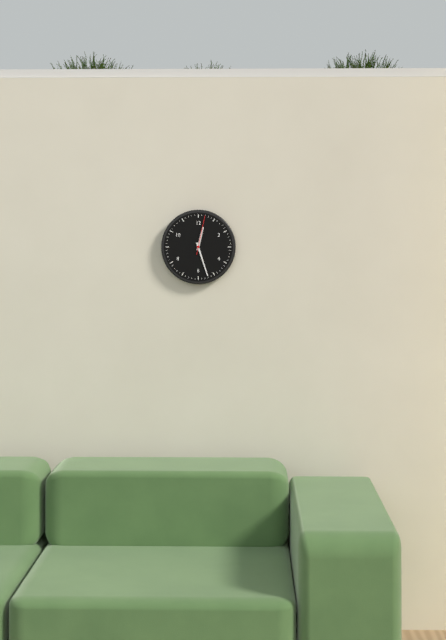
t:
**12:27**
